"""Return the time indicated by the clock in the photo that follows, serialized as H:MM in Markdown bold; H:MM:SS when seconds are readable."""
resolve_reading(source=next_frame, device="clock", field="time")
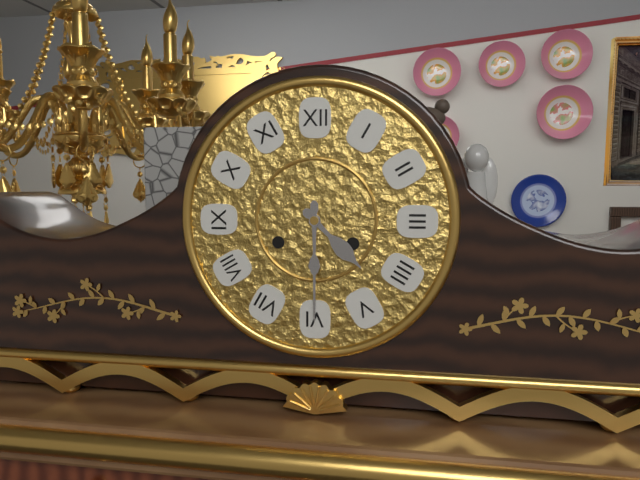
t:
**4:30**
